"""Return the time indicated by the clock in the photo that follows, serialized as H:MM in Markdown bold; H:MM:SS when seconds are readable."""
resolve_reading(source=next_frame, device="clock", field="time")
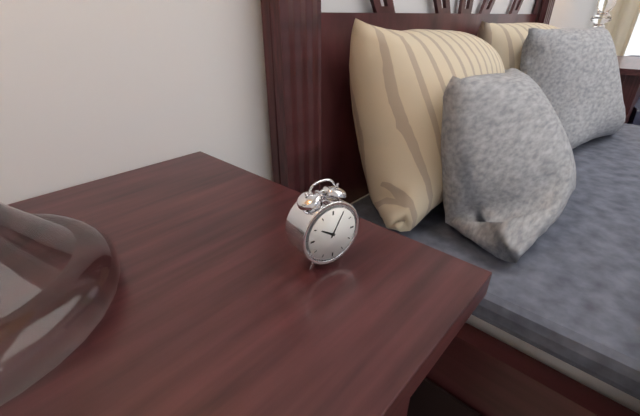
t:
**10:05**
